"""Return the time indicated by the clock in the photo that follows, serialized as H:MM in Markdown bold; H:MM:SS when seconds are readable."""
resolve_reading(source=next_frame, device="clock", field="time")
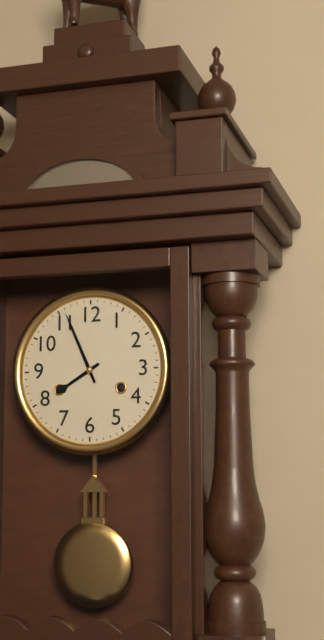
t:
**7:56**
